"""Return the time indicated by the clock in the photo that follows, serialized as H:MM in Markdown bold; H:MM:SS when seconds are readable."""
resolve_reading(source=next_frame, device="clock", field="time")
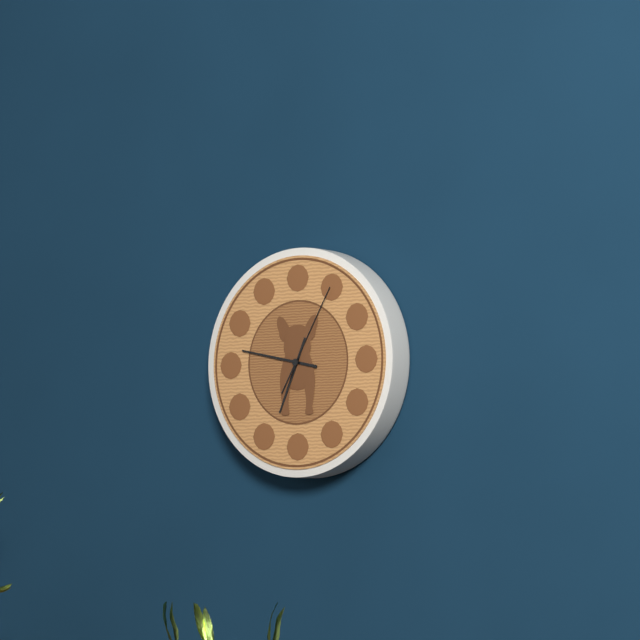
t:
**6:47:05**
